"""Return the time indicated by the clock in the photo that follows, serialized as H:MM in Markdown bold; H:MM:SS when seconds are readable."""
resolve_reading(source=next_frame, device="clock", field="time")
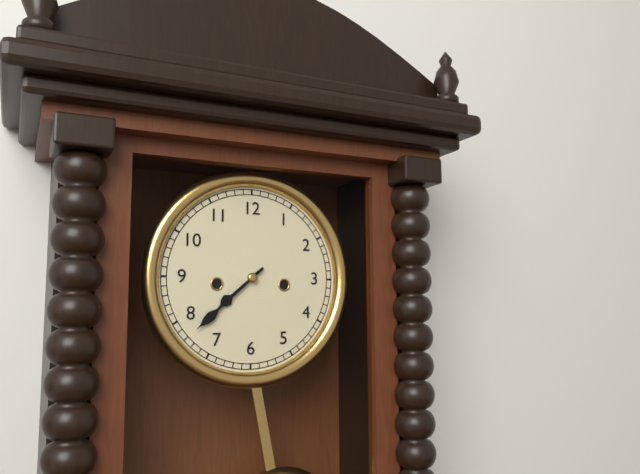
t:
**7:38**
